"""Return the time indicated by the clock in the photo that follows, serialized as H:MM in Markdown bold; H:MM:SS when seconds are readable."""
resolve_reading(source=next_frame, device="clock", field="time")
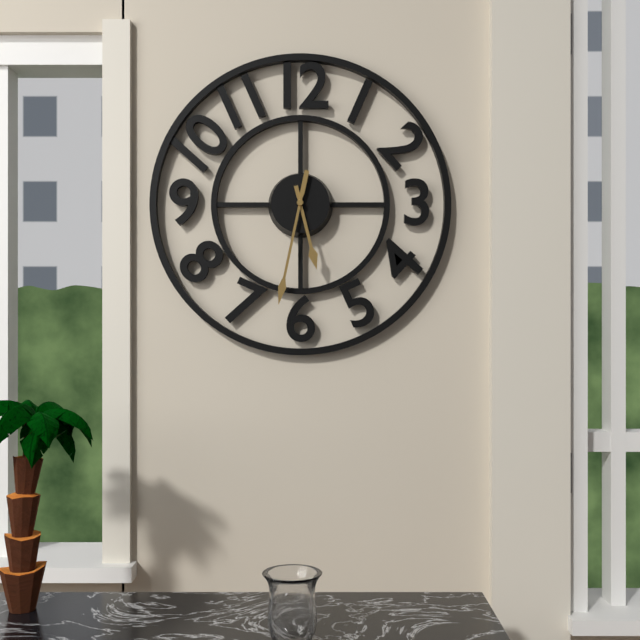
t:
**5:32**
